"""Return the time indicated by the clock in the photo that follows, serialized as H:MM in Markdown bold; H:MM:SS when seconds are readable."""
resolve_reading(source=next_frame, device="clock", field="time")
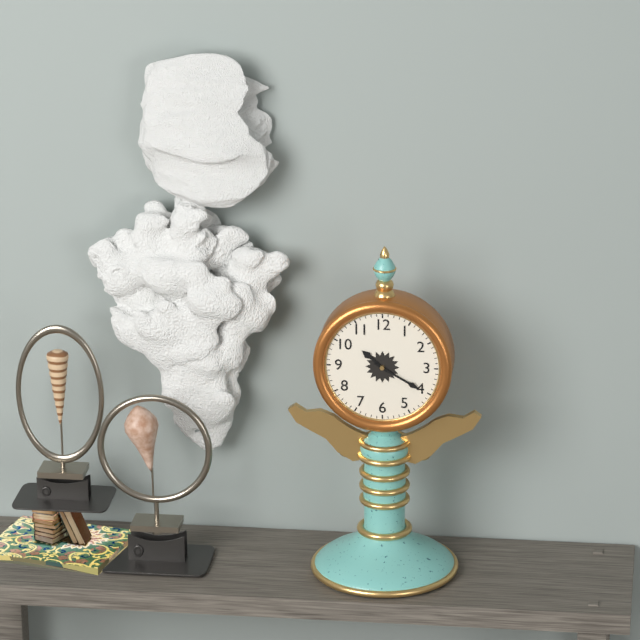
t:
**10:20**
